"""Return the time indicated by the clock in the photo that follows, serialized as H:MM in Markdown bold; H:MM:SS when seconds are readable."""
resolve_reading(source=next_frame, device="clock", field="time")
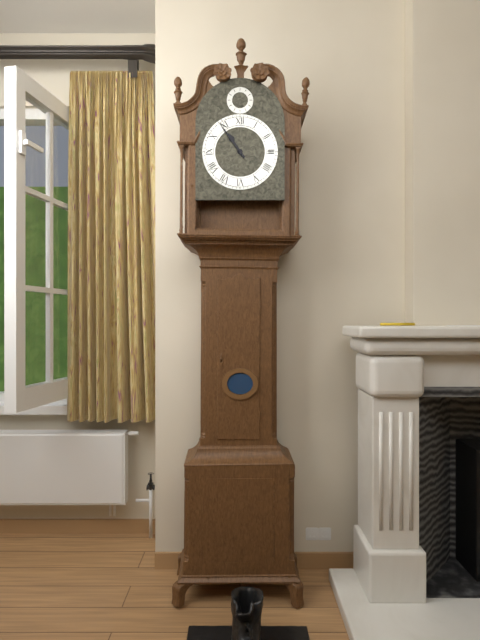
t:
**10:54**
